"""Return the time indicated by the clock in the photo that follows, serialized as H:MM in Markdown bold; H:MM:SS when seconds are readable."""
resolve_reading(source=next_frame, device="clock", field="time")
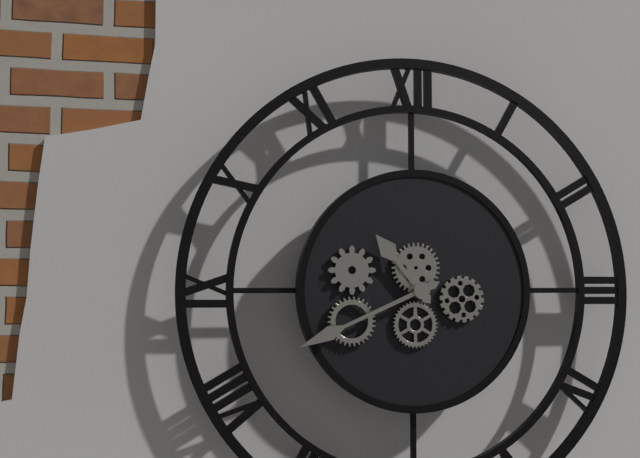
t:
**10:41**
